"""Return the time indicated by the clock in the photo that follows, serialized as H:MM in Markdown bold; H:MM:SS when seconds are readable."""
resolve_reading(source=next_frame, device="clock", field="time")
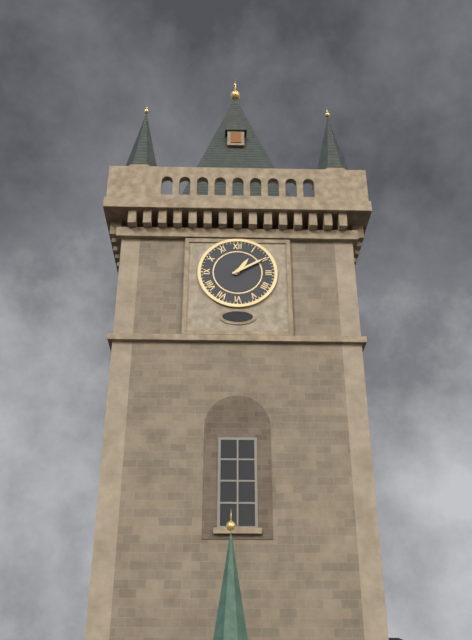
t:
**1:10**
